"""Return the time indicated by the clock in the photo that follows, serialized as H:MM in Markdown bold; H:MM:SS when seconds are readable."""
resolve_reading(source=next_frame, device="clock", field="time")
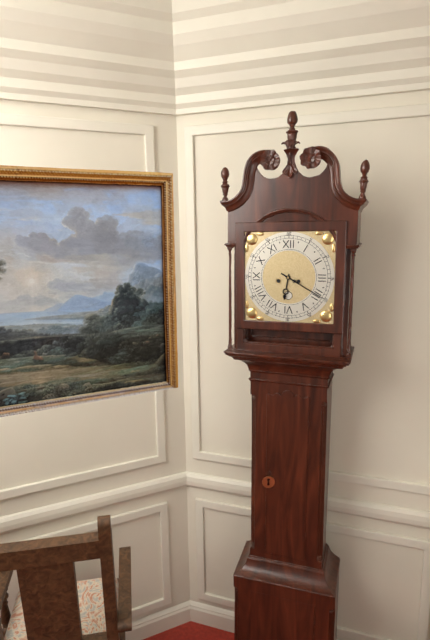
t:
**6:20**
